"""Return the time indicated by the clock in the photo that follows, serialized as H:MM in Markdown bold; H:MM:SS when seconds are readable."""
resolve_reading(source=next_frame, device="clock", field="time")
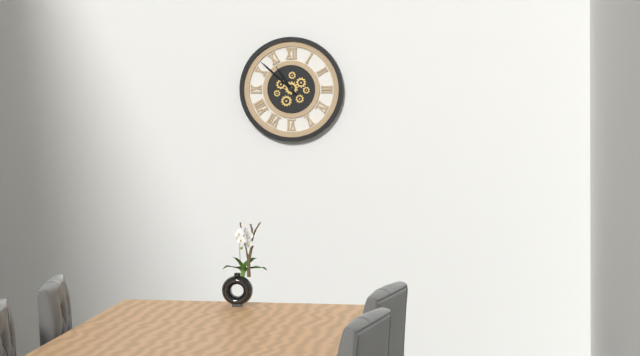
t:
**10:52**
